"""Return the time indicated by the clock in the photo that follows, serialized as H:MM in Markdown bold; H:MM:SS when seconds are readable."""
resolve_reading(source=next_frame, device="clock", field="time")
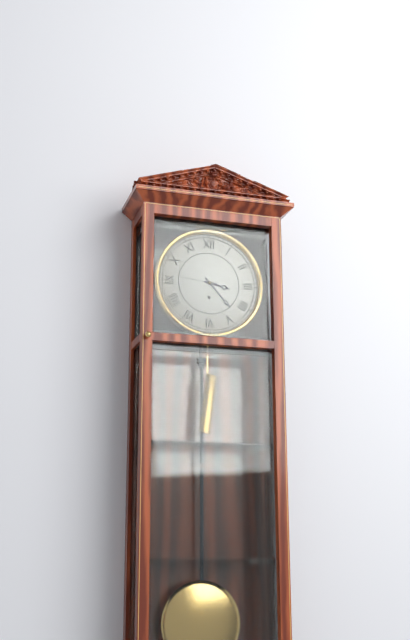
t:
**3:23**
